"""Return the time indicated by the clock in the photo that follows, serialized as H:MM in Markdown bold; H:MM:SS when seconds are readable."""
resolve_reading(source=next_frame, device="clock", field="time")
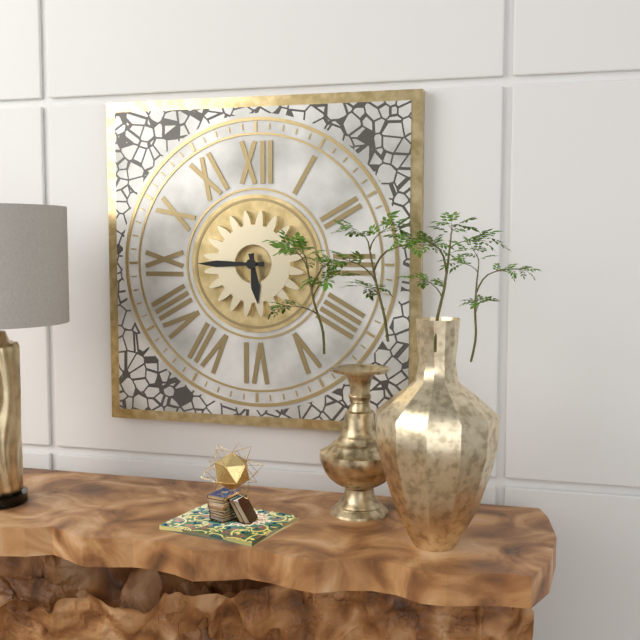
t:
**5:45**
